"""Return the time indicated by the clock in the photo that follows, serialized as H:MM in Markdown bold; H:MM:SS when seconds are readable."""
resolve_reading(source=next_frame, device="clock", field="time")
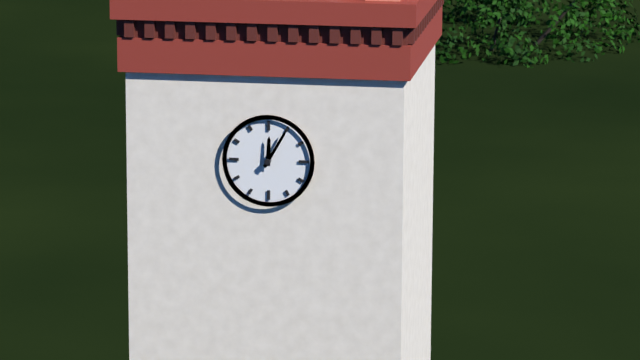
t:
**12:05**
